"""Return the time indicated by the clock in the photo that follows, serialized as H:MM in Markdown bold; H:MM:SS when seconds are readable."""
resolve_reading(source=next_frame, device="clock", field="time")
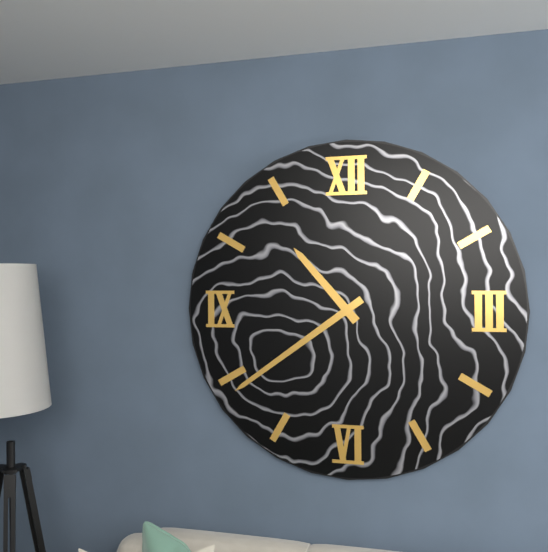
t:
**10:39**
